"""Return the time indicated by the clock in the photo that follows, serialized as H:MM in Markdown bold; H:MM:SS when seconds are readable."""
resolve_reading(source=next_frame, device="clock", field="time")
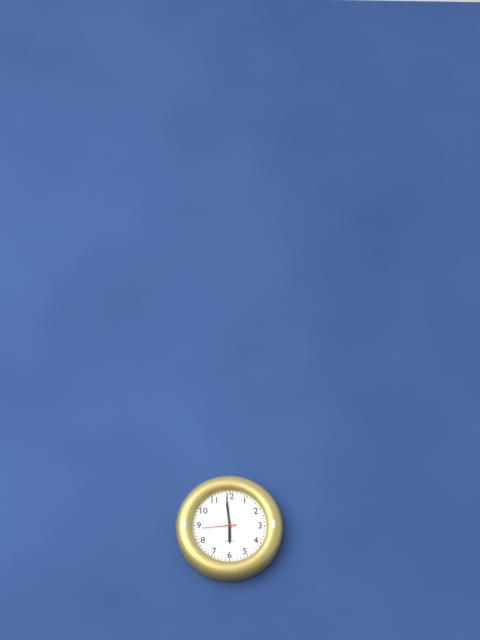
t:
**5:59**
